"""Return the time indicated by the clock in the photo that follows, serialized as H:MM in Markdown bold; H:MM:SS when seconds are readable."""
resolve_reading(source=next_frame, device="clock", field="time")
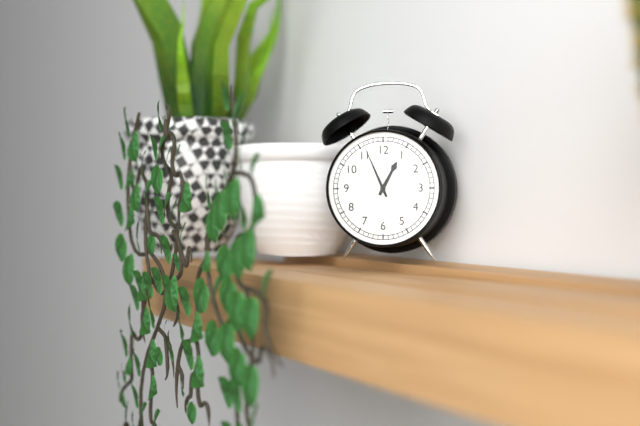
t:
**12:56**
